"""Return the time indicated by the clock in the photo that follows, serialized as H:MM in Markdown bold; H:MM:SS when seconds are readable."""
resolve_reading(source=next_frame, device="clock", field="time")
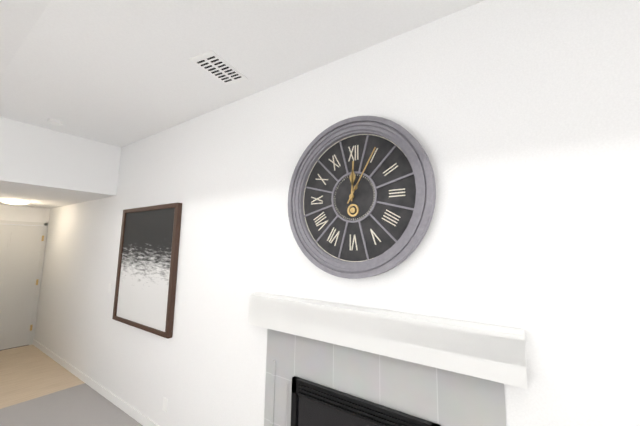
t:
**12:05**
